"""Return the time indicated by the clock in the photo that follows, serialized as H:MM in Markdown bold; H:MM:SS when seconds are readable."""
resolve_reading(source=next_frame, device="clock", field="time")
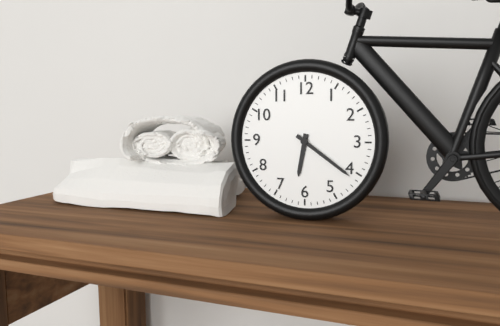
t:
**6:21**
